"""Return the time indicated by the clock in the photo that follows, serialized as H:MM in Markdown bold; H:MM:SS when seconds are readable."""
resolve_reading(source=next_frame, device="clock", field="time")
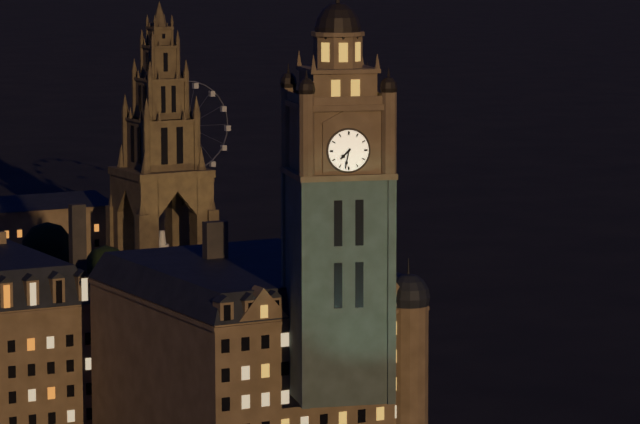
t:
**7:32**
